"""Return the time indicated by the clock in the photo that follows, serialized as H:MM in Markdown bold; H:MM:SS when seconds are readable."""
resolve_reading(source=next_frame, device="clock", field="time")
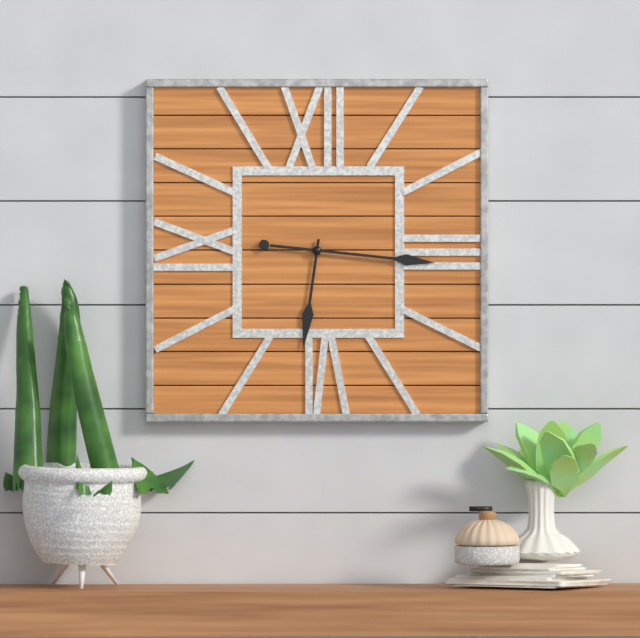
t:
**6:16**
